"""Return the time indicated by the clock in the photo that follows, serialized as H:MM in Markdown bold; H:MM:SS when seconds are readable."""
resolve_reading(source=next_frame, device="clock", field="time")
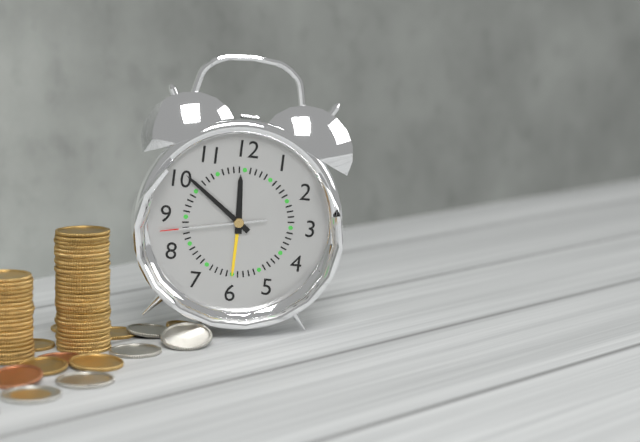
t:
**11:51:43**
